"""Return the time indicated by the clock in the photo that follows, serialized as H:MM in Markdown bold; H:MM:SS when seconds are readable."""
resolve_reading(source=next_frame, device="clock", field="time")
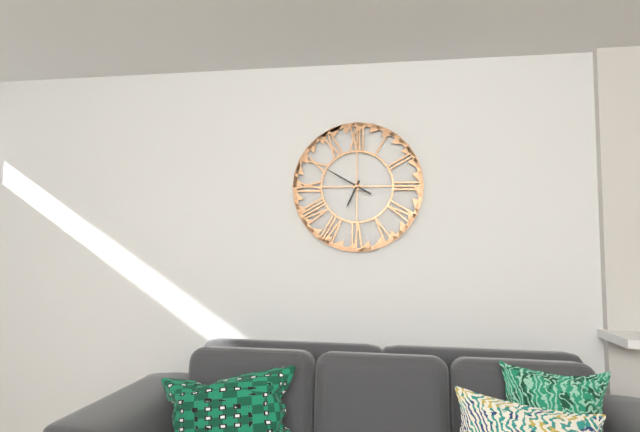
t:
**6:50**
